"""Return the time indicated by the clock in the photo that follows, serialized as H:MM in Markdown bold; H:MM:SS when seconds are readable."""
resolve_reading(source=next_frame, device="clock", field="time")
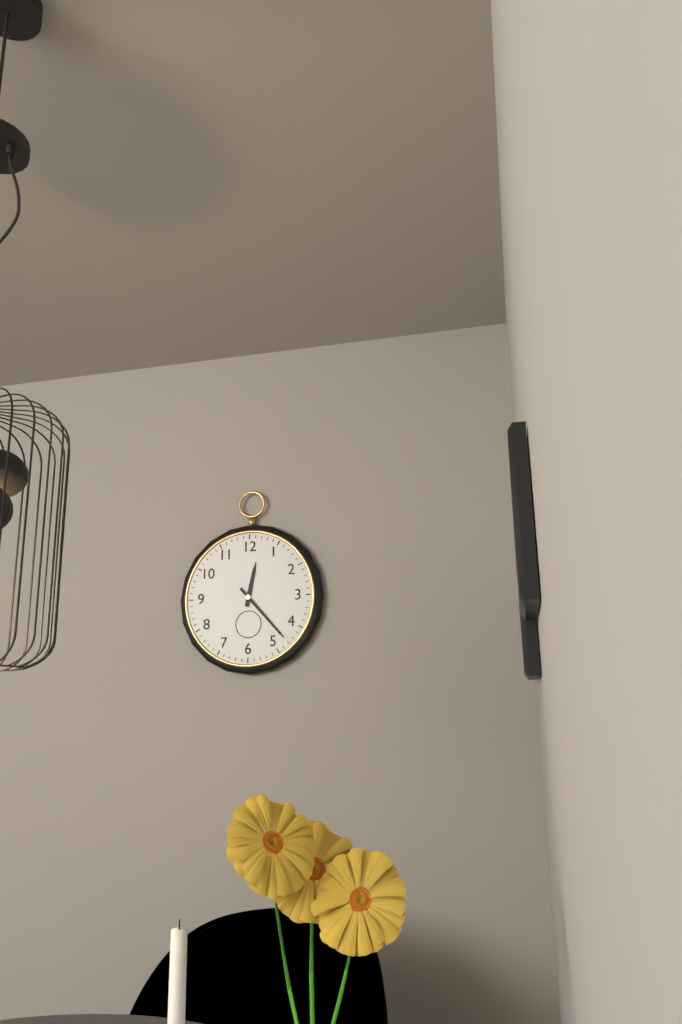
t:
**12:23**
